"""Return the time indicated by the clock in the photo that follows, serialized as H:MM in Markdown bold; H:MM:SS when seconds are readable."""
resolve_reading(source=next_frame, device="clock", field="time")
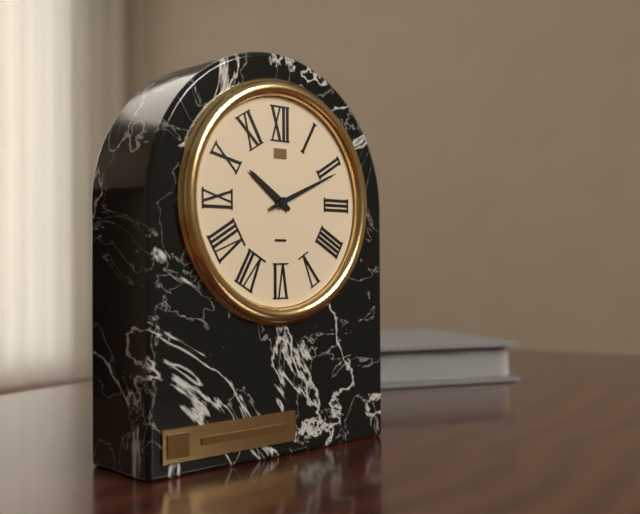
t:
**10:11**
